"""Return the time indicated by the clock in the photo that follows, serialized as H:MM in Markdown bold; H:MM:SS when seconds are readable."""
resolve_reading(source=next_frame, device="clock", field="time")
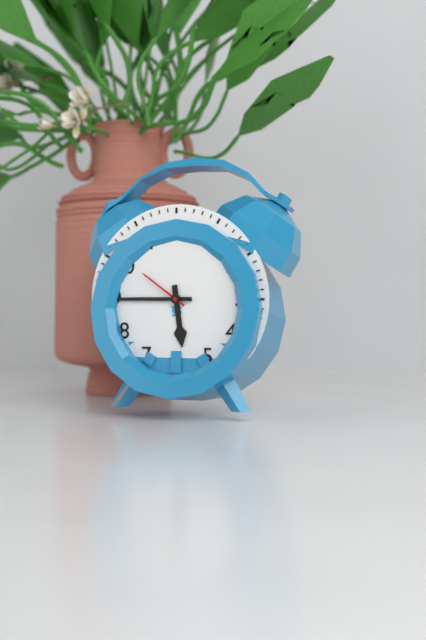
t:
**5:45:51**
